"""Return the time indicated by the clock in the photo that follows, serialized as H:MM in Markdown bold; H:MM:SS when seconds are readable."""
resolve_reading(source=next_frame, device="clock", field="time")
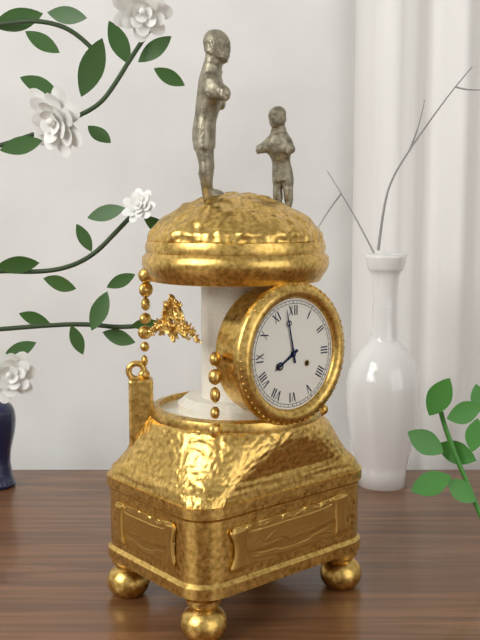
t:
**7:58**
